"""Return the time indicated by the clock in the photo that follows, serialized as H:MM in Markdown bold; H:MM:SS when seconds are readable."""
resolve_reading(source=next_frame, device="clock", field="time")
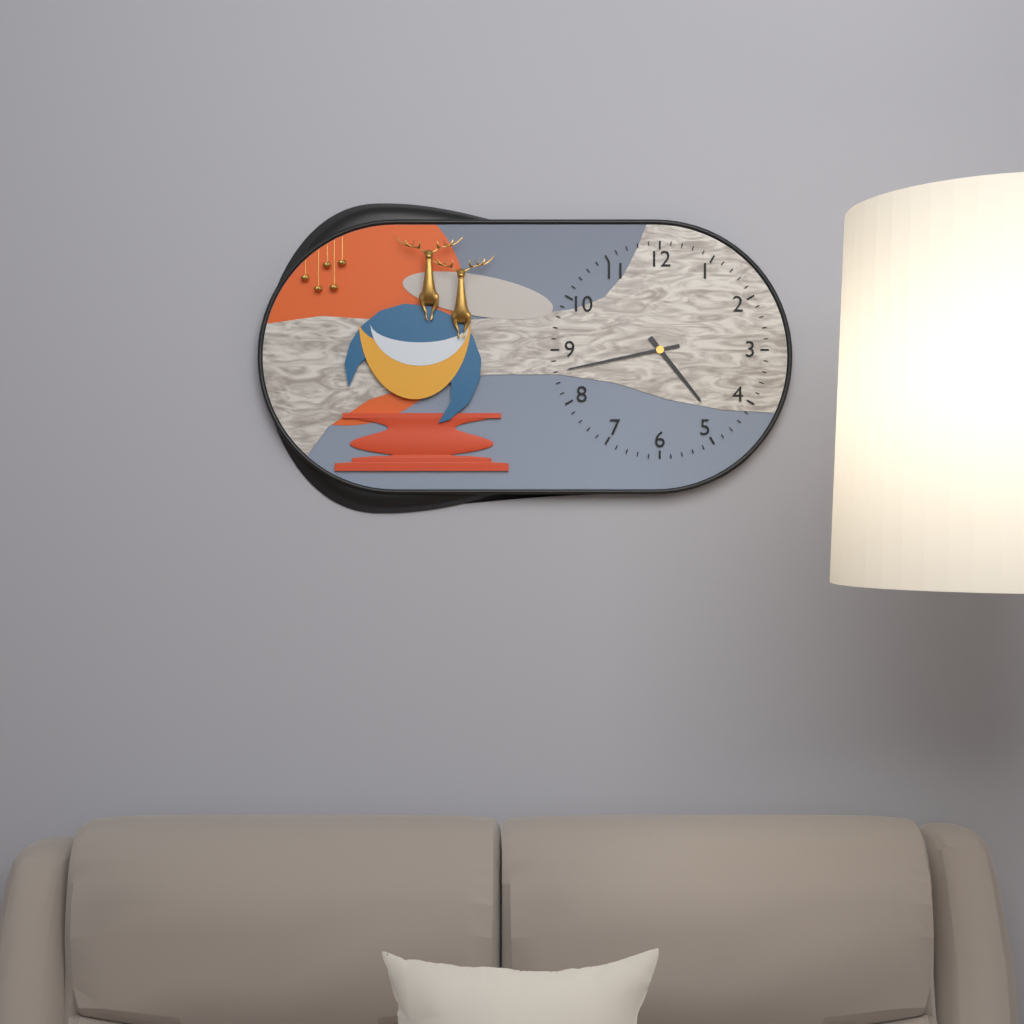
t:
**4:43**
